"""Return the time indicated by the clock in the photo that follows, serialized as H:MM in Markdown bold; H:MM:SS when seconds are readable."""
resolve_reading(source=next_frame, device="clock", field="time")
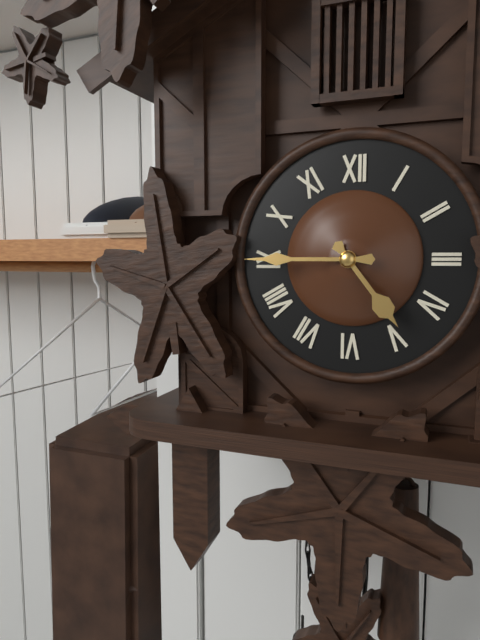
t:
**4:45**
